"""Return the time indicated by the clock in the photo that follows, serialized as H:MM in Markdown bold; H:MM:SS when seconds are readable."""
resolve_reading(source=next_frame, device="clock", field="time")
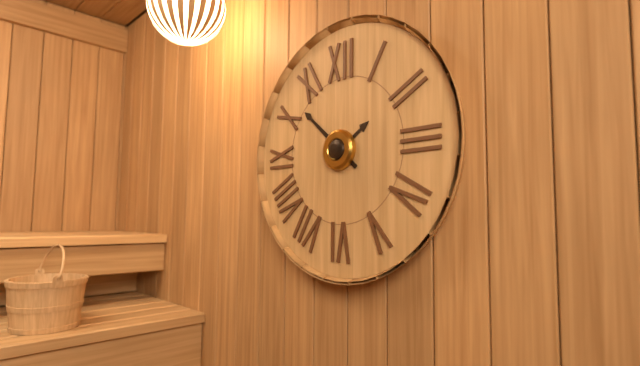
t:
**1:52**
